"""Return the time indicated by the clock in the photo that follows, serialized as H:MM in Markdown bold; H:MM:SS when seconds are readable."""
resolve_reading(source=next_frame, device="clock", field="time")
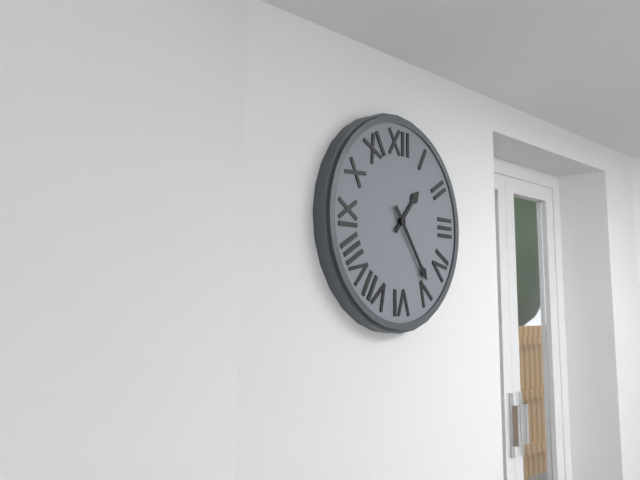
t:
**1:24**
